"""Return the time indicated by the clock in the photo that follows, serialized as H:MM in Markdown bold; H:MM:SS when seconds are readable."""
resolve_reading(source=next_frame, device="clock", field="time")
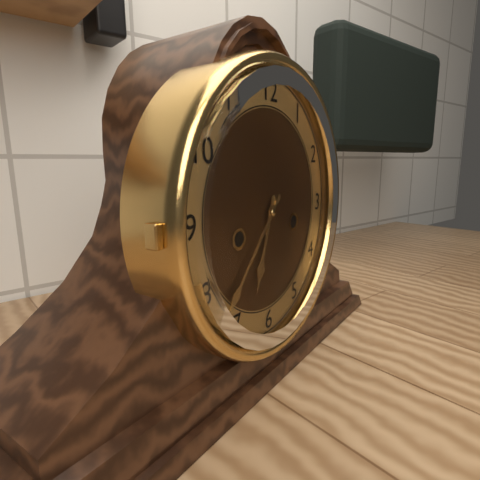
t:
**6:37**
